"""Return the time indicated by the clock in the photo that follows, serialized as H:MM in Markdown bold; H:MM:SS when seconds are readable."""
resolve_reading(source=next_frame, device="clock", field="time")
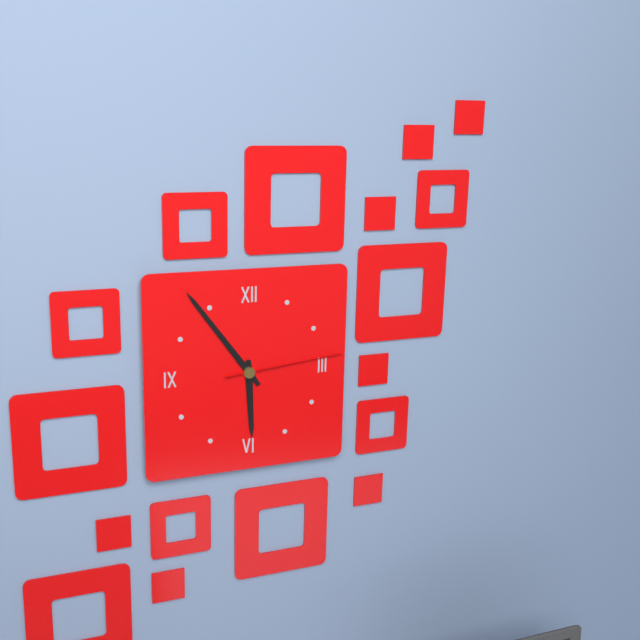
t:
**5:54:14**
